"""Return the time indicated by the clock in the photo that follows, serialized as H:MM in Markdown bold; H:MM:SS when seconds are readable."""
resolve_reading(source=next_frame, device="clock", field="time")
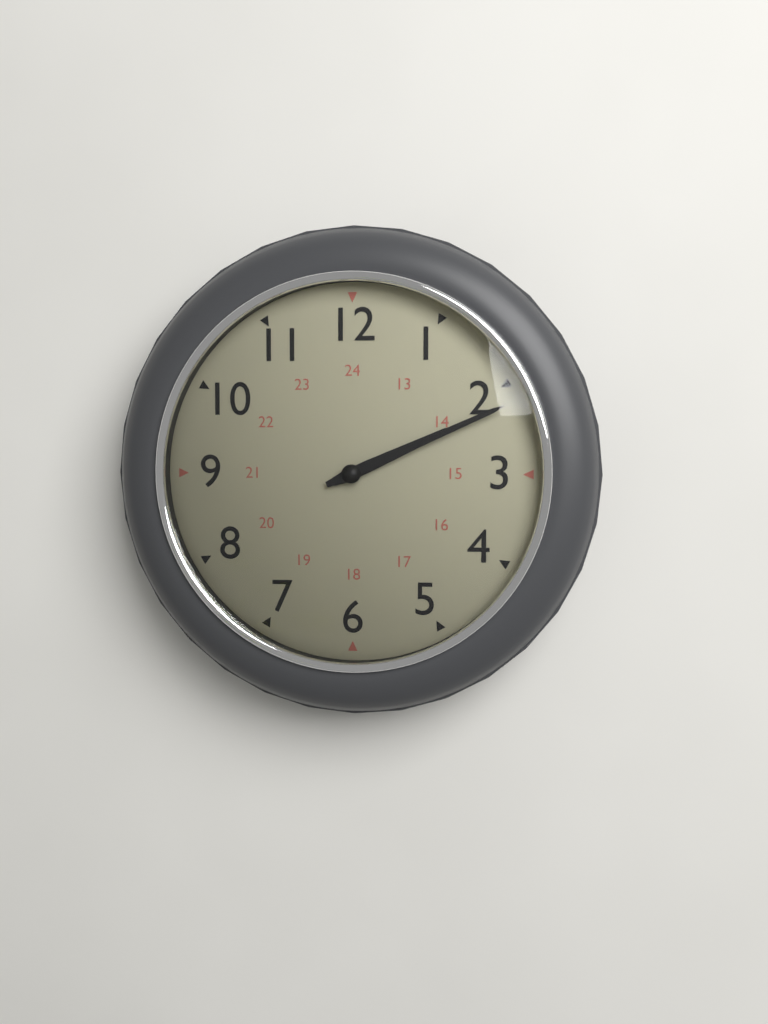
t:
**2:11**
